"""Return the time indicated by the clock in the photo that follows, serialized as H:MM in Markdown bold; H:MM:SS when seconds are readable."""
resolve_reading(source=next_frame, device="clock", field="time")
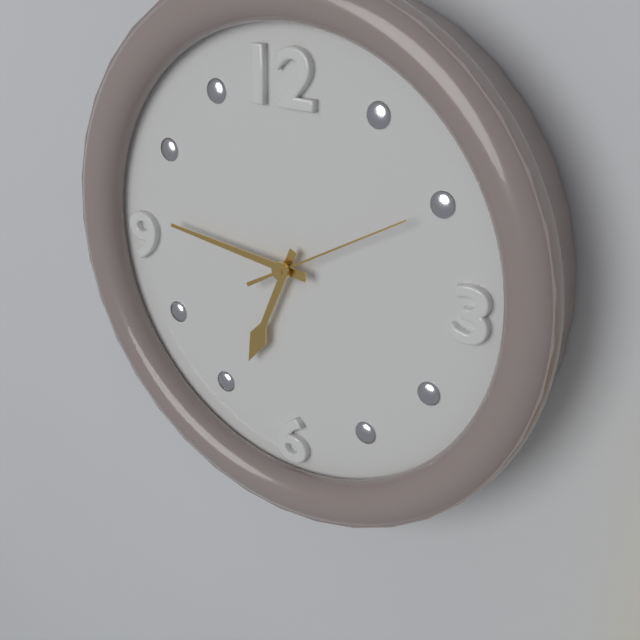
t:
**6:46:10**
